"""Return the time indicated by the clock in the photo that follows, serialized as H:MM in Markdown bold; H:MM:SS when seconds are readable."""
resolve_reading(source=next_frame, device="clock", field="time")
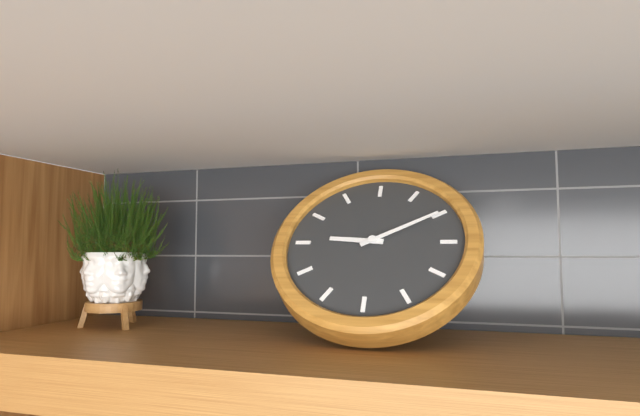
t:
**9:10**
